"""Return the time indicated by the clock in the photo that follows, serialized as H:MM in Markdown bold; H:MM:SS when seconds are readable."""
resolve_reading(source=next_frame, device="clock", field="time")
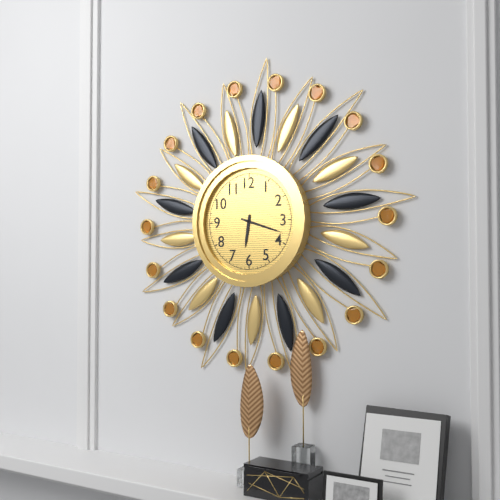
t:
**6:18**
